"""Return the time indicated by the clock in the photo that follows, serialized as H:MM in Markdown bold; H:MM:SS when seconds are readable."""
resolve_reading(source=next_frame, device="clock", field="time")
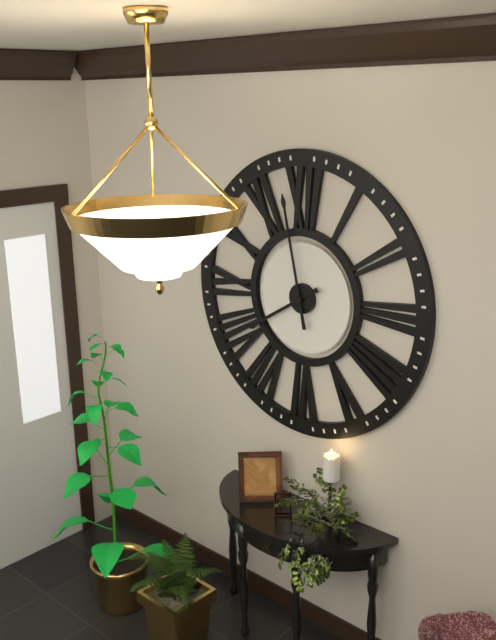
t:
**7:58**
